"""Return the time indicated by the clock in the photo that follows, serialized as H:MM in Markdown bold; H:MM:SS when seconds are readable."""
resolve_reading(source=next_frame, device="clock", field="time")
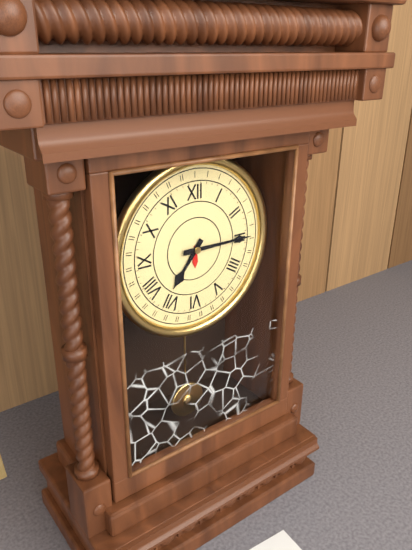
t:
**7:15**
